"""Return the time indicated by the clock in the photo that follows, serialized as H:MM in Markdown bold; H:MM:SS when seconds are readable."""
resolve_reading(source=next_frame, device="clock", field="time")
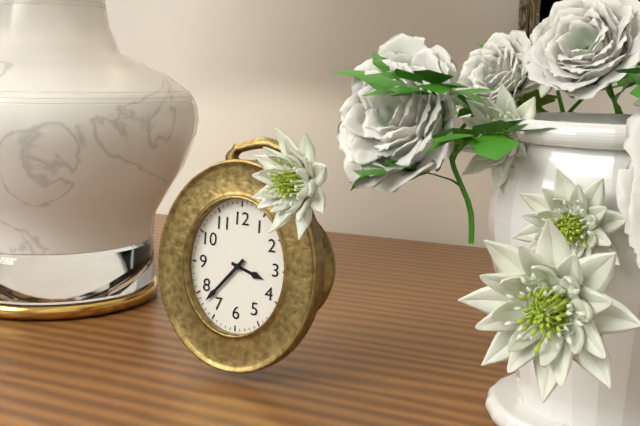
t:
**3:37**
